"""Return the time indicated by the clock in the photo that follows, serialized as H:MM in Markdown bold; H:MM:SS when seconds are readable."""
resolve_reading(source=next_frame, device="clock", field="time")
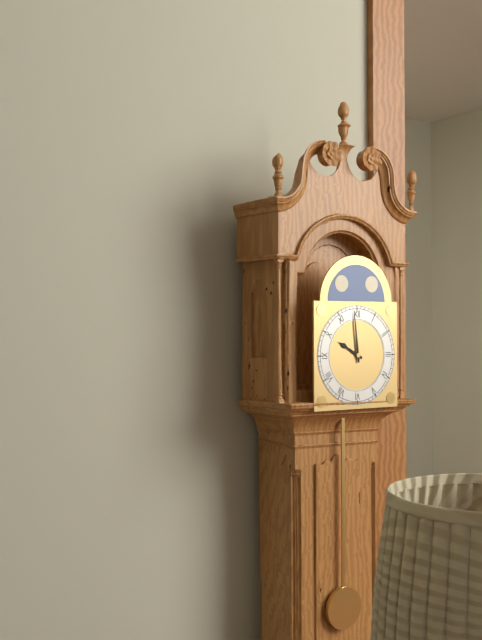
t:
**9:59**
